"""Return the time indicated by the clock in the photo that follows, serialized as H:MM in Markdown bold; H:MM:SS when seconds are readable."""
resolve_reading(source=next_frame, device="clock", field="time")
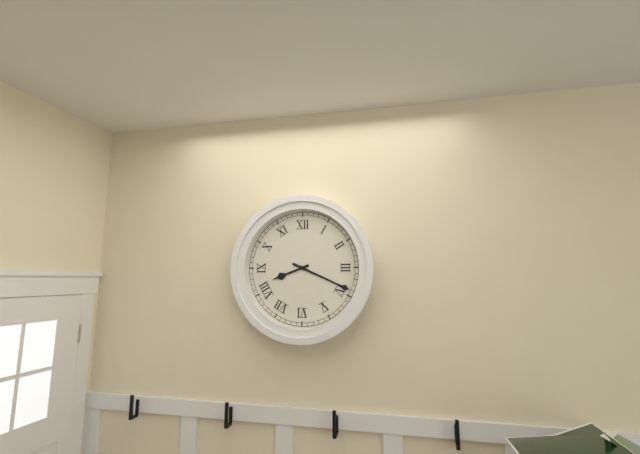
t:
**8:19**
